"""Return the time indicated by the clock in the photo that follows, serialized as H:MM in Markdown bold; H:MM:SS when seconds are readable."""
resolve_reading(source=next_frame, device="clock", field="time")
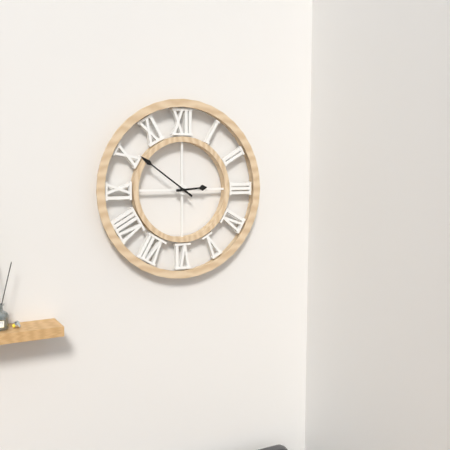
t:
**2:51**
